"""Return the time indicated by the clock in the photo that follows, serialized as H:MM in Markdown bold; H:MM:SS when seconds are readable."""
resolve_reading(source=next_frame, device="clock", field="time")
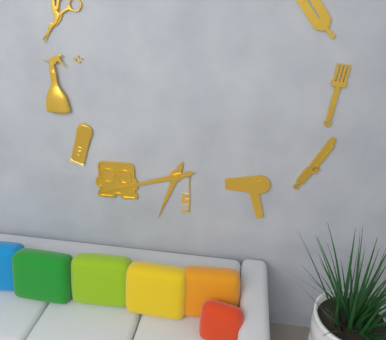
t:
**6:42**
